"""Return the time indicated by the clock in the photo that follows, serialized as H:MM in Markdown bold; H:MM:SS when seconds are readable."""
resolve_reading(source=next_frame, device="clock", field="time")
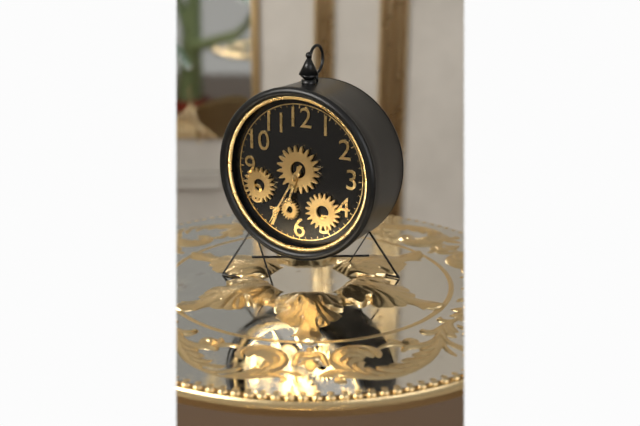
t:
**6:35**
